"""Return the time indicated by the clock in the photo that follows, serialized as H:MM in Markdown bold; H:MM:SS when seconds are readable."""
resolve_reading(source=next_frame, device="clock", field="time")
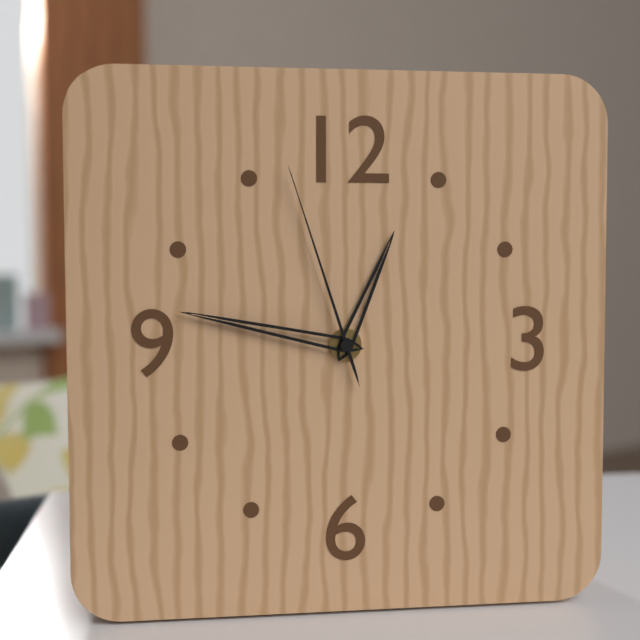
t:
**12:47:57**
